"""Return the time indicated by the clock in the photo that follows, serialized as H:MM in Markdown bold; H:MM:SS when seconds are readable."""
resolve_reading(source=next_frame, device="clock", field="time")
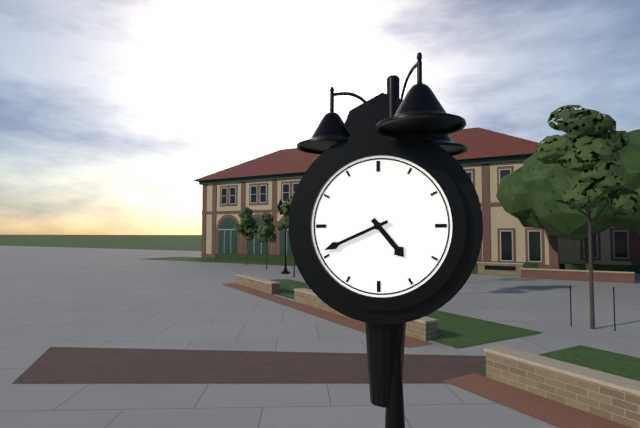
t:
**4:41**
